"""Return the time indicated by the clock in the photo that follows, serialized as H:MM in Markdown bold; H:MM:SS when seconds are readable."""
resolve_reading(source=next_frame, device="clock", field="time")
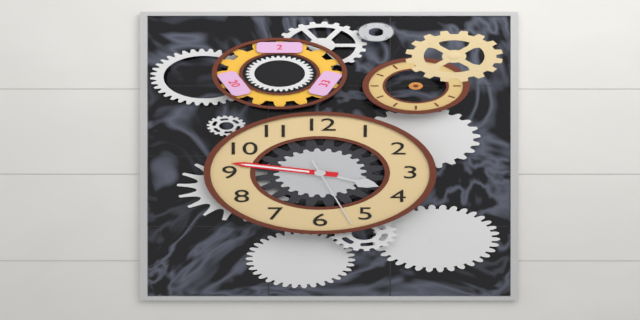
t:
**3:47:27**
